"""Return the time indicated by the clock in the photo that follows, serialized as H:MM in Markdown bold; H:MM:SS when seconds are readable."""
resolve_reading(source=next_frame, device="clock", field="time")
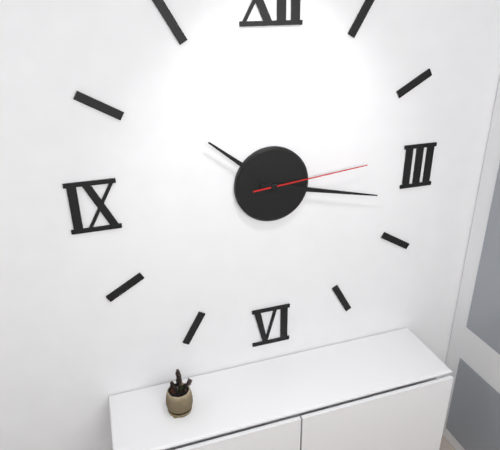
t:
**10:17:14**
